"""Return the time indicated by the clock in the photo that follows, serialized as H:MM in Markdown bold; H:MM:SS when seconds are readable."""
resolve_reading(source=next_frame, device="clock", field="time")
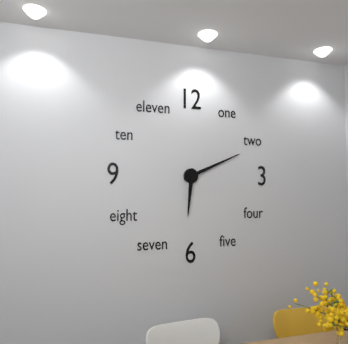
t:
**6:11**
